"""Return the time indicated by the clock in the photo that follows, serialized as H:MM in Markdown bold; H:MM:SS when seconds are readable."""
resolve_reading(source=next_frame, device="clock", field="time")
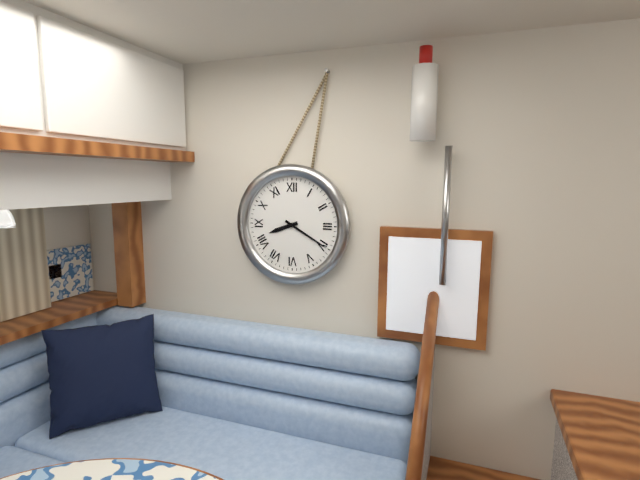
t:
**8:20**
